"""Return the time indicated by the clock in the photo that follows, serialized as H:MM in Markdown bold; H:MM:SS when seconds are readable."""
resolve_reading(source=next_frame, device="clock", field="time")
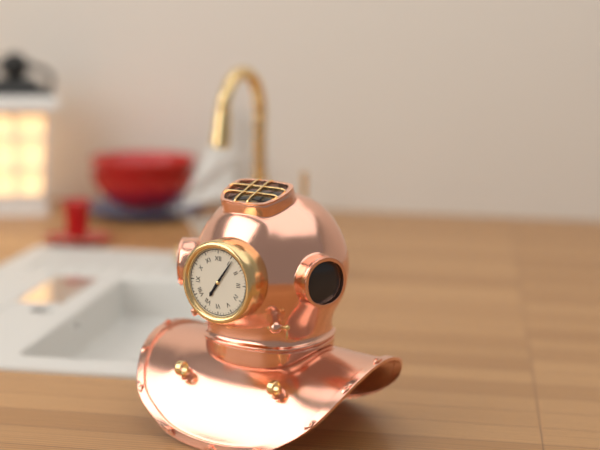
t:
**7:06**
